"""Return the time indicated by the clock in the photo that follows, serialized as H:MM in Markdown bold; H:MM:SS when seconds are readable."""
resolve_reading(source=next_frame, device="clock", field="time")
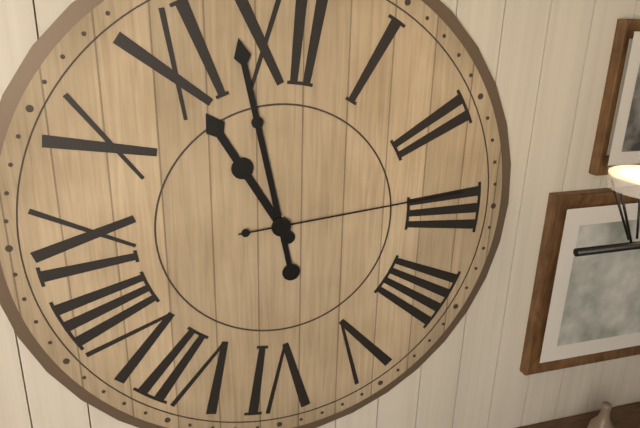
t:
**10:58:14**
